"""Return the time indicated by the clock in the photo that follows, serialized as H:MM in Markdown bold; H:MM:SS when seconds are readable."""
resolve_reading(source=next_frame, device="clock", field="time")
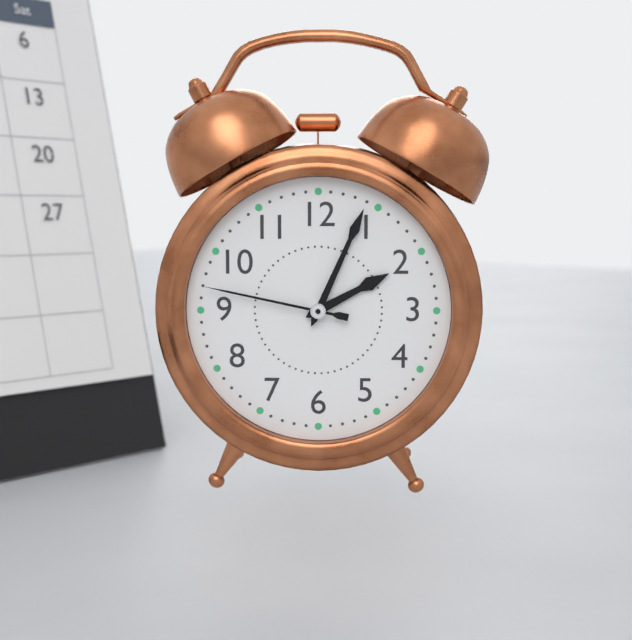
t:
**2:04:47**
